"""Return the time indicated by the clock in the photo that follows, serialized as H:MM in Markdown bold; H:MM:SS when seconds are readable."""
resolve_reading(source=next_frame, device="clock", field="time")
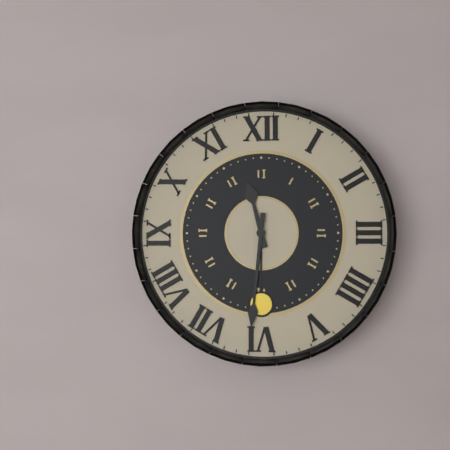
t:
**11:31**
